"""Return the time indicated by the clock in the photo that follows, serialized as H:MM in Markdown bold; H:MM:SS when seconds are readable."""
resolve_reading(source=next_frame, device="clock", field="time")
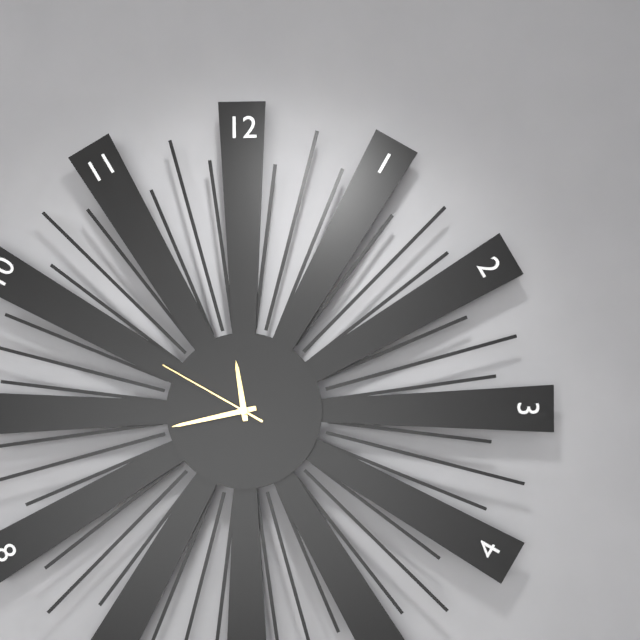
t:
**11:43:50**
